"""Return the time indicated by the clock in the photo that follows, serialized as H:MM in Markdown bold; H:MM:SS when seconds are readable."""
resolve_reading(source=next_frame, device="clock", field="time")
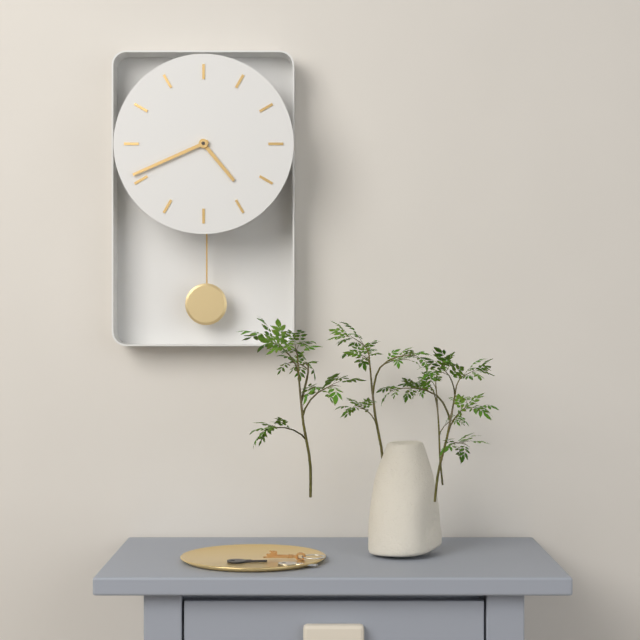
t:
**4:41**
